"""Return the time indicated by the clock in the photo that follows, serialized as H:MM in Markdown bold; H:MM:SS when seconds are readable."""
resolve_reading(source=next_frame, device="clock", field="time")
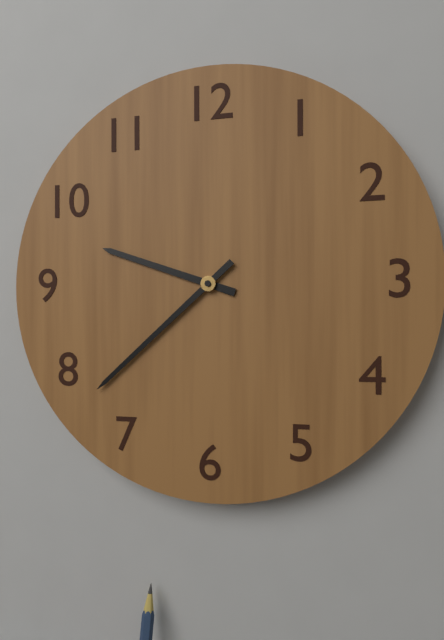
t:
**9:38**
